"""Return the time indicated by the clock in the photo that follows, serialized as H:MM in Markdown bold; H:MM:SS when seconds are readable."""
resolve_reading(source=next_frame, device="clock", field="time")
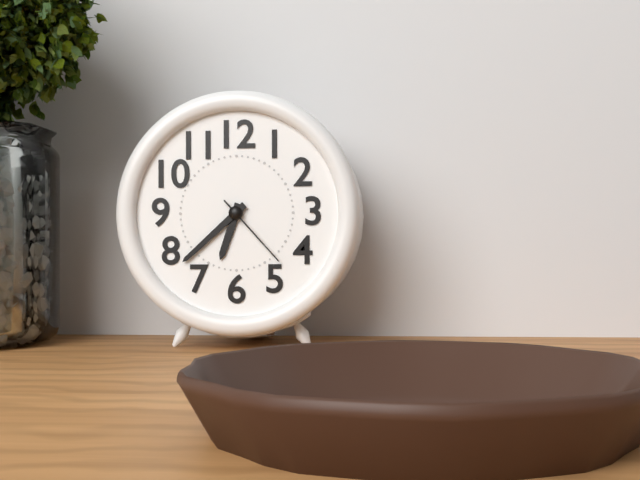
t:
**6:38:23**
